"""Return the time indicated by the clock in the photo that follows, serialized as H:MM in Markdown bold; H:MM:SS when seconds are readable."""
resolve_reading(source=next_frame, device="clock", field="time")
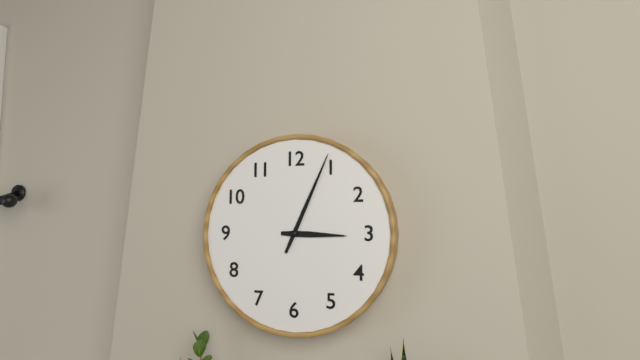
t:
**3:04**
